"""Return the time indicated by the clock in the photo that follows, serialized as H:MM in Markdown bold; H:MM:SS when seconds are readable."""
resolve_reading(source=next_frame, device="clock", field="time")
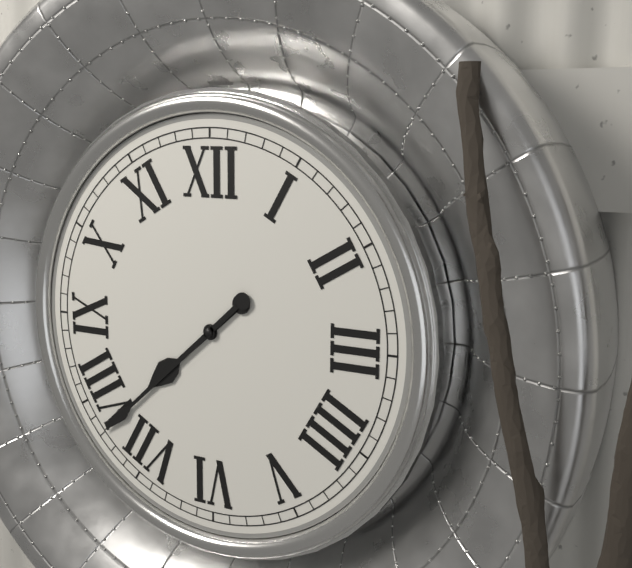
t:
**7:38**
